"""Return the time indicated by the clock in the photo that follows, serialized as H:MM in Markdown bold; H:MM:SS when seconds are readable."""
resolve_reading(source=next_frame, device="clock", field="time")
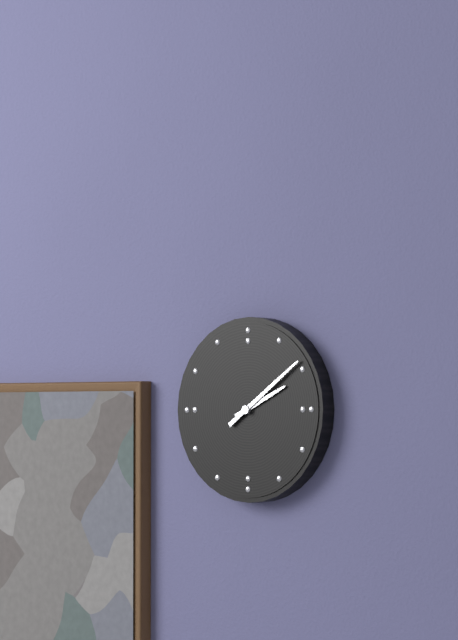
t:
**2:09**
